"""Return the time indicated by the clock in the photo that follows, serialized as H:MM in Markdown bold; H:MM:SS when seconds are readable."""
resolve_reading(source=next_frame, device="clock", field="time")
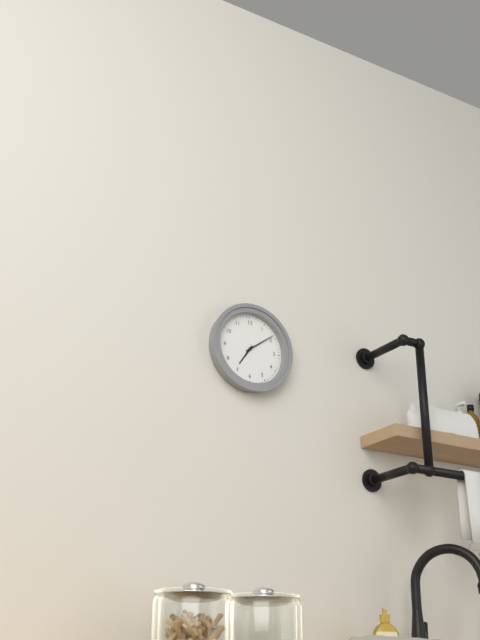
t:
**7:09**
